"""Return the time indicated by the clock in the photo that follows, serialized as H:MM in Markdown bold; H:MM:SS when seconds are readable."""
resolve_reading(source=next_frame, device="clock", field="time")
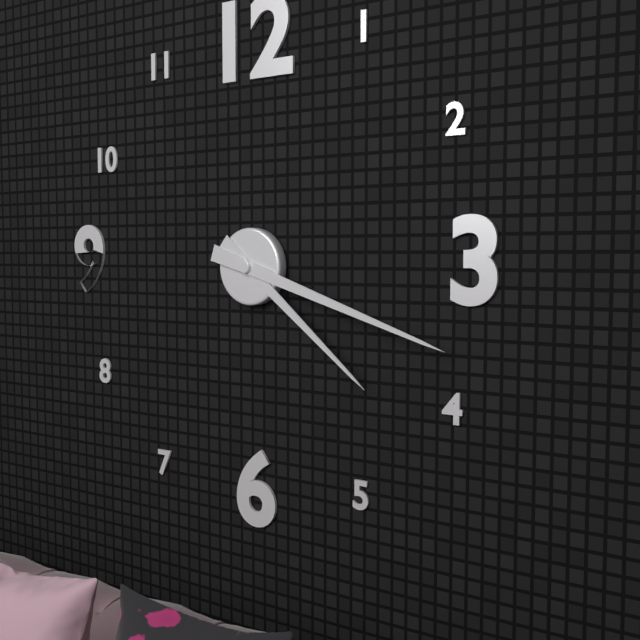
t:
**4:18**
